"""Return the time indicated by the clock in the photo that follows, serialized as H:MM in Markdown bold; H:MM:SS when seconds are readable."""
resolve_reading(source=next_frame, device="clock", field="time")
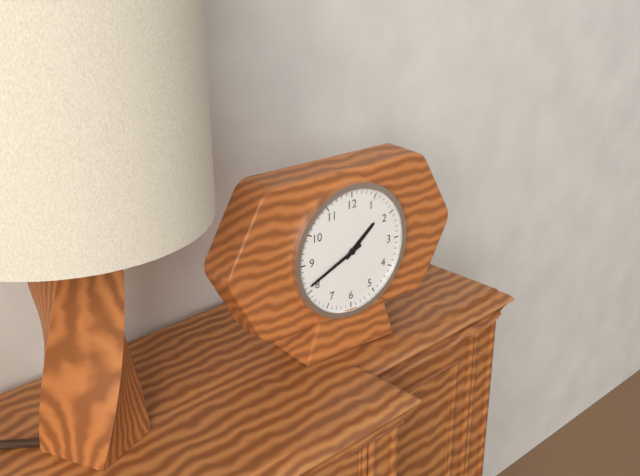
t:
**1:41**
